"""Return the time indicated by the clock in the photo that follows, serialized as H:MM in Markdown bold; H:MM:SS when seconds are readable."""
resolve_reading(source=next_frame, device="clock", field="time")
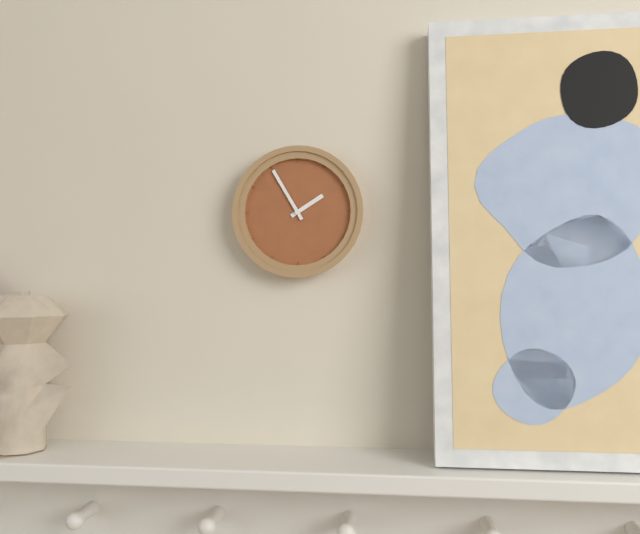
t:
**1:55**
